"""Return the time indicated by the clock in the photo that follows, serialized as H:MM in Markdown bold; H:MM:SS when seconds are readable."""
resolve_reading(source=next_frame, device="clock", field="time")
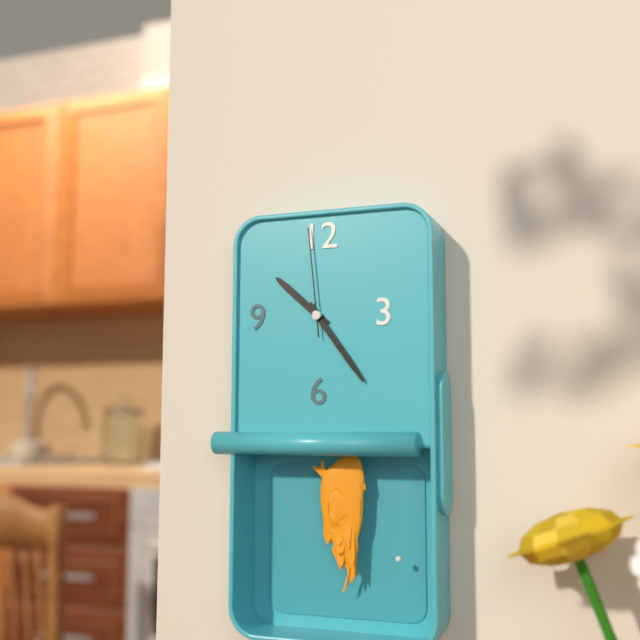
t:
**10:24:59**
